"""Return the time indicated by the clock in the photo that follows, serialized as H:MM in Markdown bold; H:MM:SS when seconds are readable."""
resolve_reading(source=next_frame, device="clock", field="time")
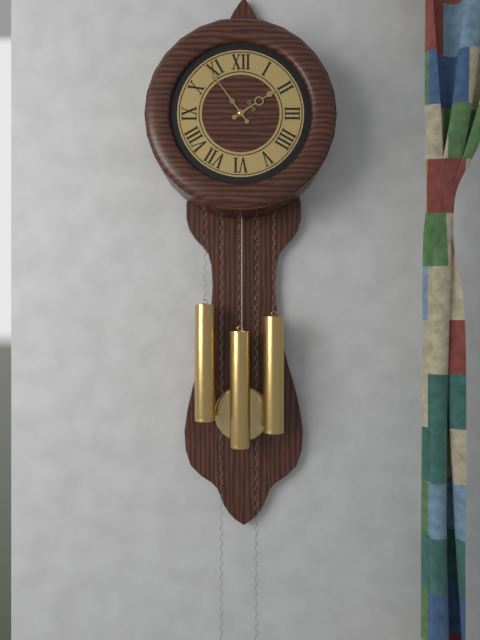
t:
**1:54**
